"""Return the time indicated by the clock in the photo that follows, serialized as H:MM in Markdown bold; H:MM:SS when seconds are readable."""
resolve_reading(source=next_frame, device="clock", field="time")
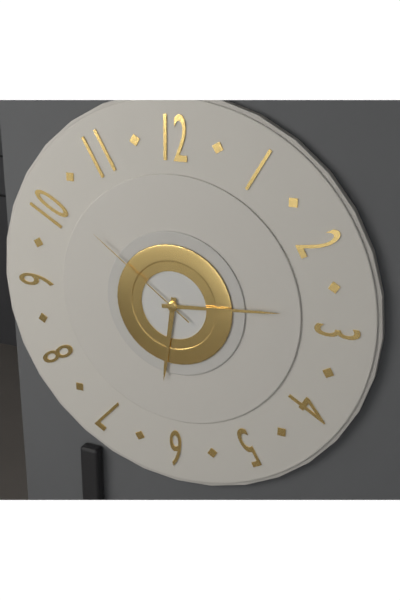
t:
**6:14:51**
